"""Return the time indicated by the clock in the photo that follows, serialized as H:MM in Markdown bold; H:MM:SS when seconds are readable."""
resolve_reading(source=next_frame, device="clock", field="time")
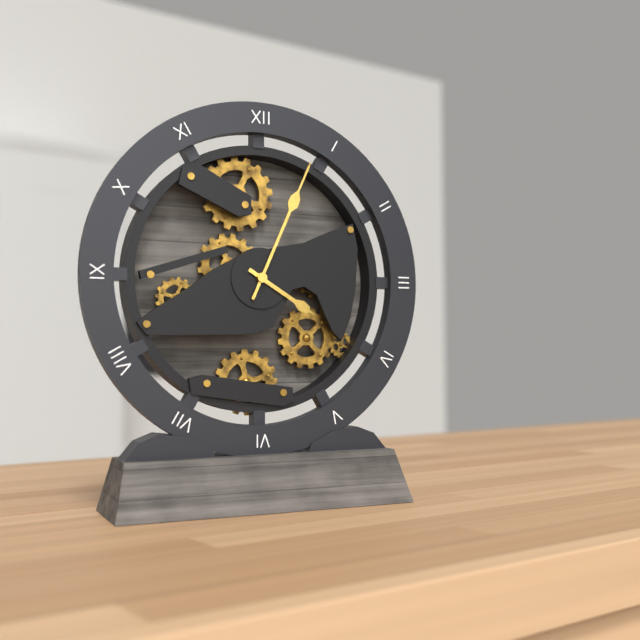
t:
**4:04**
